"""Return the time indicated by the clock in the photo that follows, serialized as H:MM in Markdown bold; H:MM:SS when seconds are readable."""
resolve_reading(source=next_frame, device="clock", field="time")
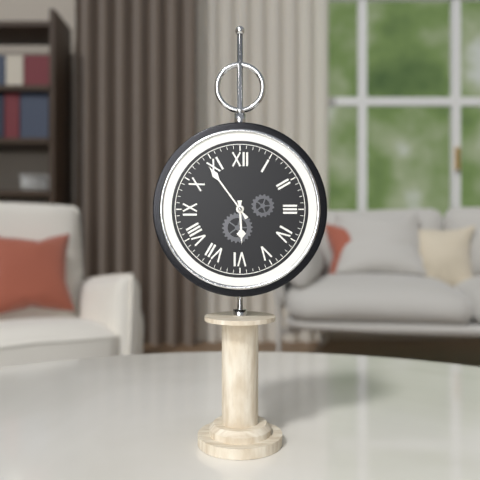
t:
**5:54**
